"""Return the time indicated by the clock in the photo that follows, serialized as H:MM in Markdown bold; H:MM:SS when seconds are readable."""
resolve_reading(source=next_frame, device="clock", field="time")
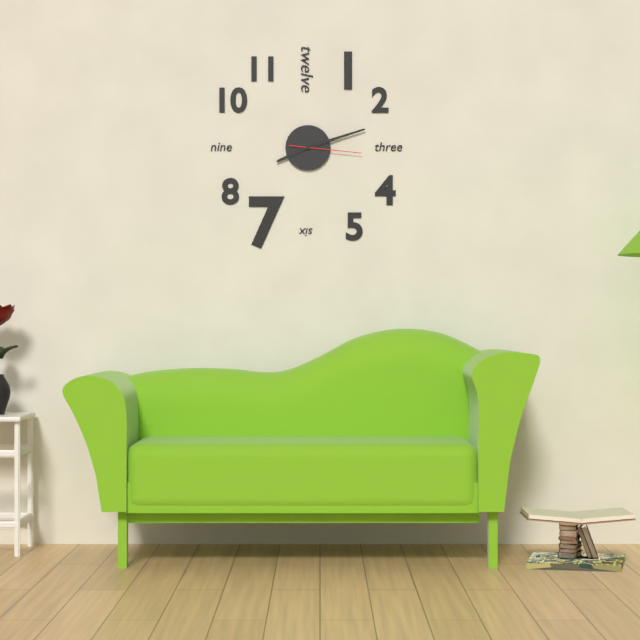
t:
**8:12:16**
